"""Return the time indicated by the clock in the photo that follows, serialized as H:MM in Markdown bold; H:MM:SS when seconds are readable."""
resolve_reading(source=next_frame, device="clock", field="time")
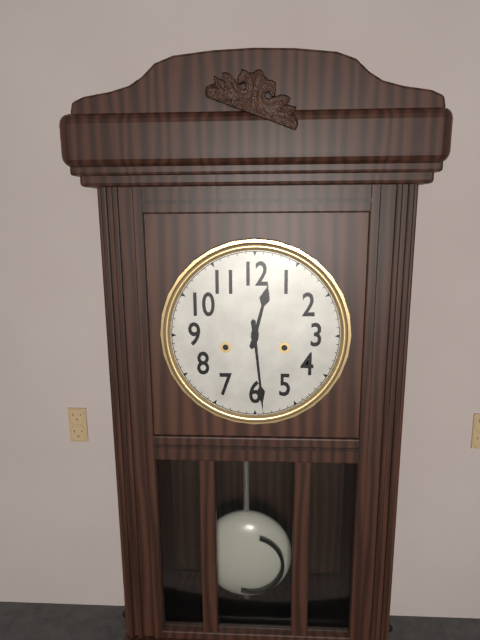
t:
**12:29**
